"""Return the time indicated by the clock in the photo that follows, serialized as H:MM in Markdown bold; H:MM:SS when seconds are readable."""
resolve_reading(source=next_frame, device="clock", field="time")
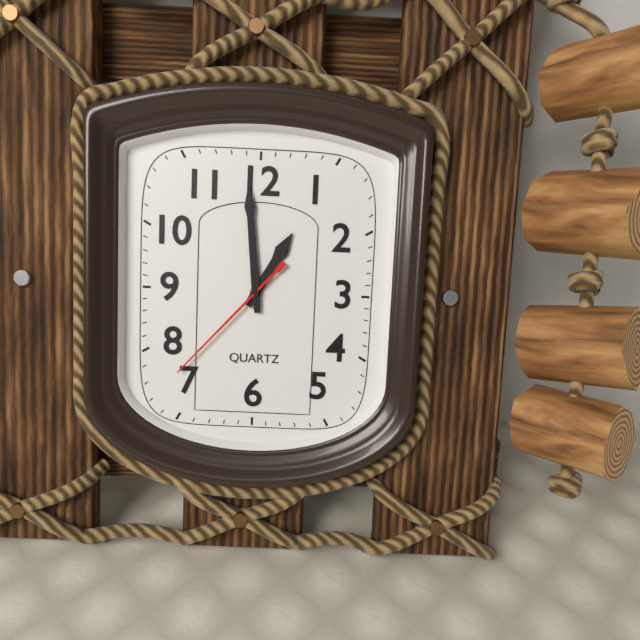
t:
**12:59:37**
